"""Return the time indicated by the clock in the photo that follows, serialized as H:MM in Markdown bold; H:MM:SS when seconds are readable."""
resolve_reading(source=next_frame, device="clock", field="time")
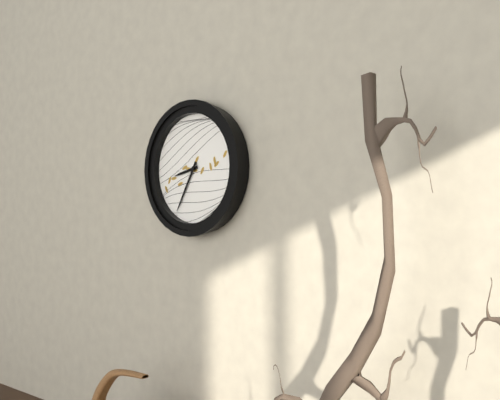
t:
**8:35**
